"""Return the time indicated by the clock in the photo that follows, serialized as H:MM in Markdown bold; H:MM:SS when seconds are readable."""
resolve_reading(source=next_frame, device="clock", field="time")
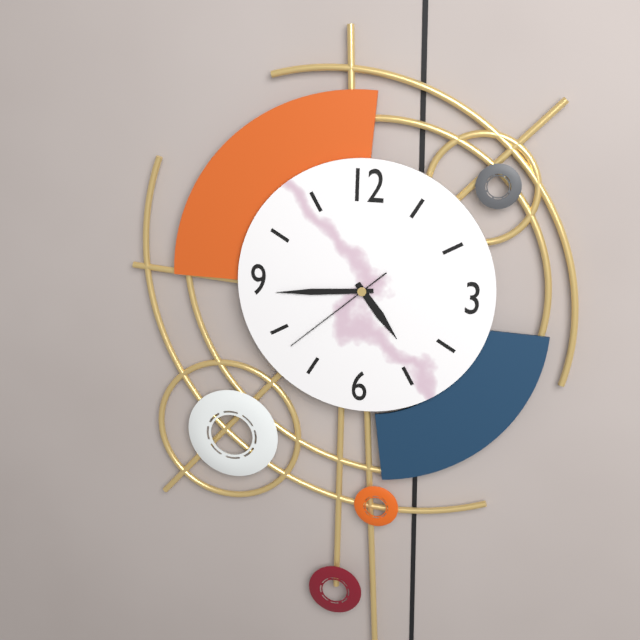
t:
**4:44:38**
